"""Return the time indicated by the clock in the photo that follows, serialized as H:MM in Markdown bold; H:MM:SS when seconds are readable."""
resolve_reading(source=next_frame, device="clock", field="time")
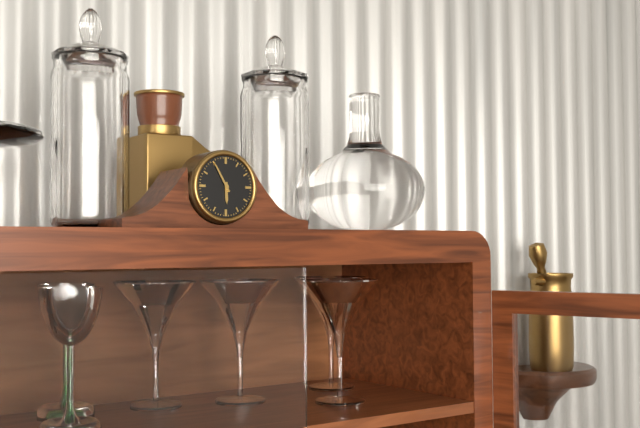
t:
**5:55**
